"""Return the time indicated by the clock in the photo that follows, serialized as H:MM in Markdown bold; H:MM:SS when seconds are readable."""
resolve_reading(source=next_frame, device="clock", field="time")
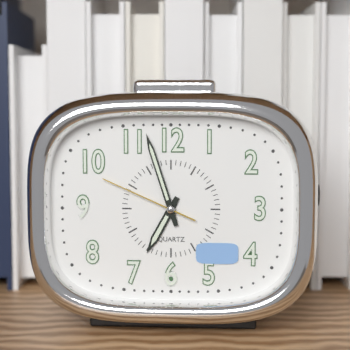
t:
**6:57:49**
